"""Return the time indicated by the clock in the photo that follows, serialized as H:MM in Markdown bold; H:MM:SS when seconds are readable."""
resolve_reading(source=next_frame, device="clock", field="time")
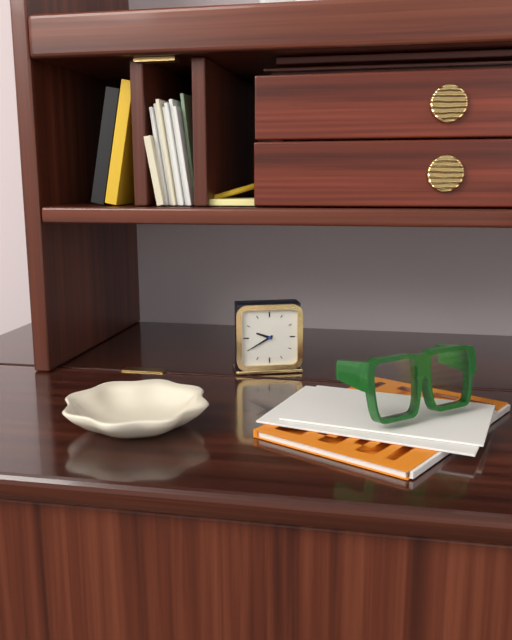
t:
**9:40**
